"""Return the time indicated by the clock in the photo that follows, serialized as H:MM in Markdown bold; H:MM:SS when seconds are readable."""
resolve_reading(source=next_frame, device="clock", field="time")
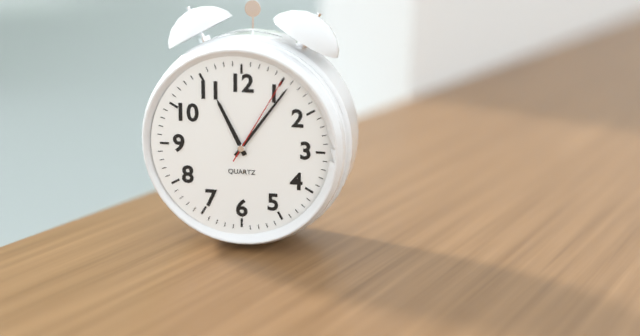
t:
**11:06:05**
